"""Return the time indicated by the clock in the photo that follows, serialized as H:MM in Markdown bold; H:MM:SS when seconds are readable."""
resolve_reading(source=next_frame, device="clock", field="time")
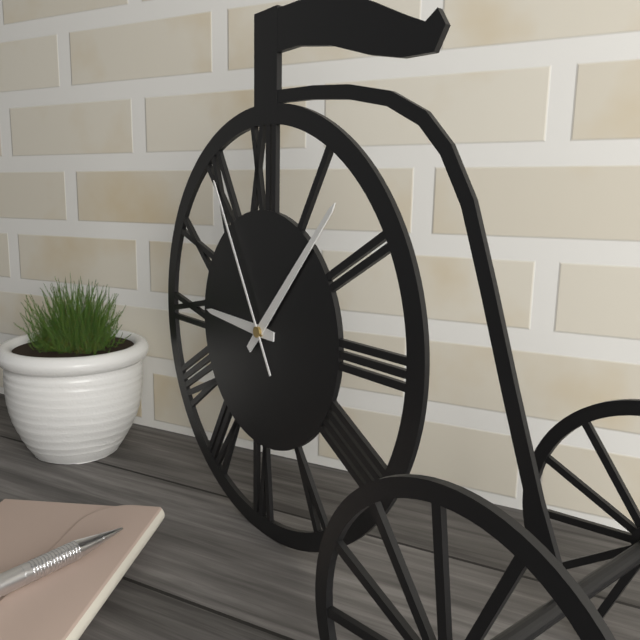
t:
**9:07:55**
